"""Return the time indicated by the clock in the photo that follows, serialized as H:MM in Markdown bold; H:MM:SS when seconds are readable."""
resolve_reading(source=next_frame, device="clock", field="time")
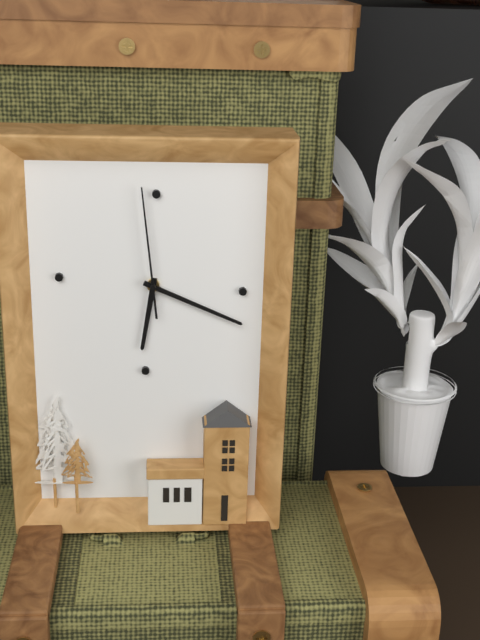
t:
**6:19:59**
